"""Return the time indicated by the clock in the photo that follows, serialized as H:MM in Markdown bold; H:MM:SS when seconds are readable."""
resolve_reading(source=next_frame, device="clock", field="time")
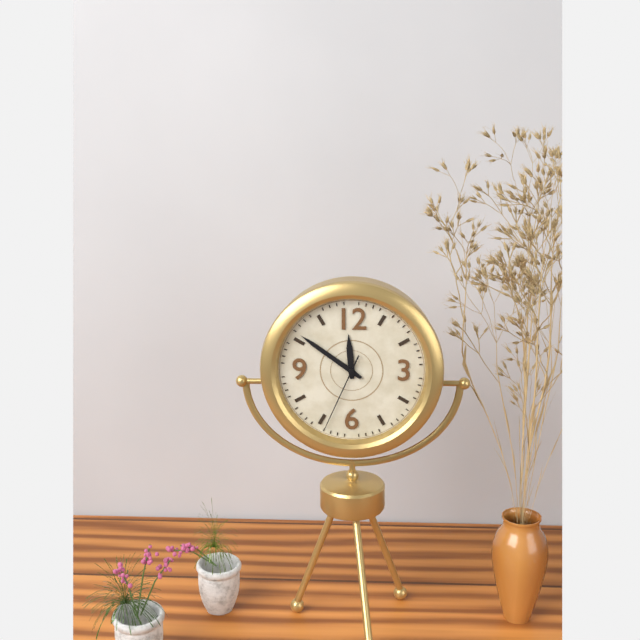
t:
**11:51:34**
